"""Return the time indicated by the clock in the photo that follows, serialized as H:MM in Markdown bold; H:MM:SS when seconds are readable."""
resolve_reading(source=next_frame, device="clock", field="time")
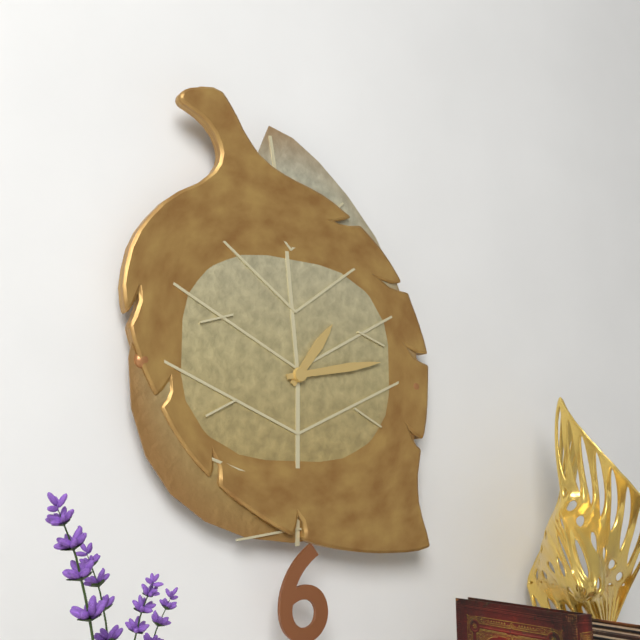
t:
**1:13**
